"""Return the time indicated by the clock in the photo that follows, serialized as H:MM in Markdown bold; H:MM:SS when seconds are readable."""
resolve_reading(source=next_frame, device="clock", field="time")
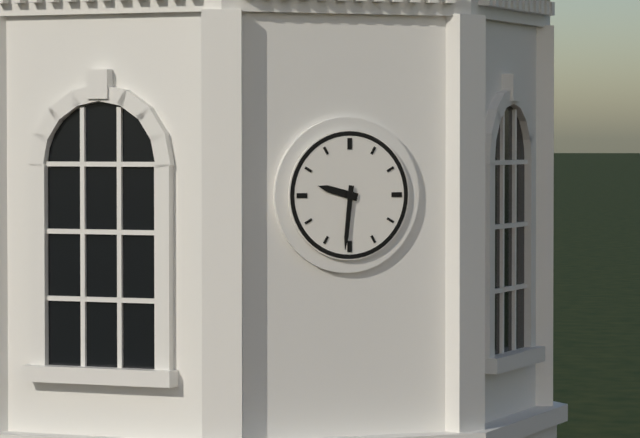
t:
**9:31**
